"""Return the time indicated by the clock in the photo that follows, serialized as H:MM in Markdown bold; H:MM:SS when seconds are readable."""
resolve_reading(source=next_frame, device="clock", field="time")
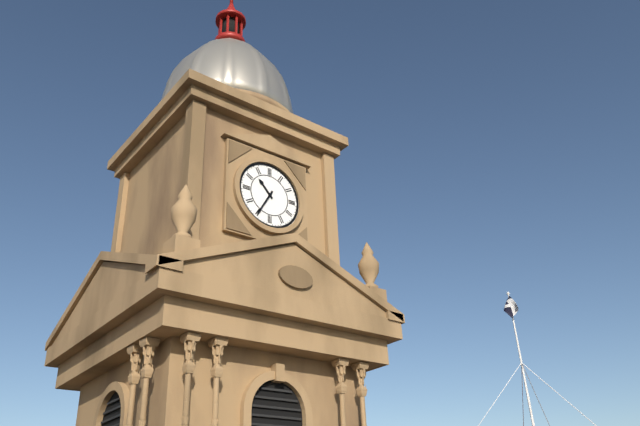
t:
**10:35**
